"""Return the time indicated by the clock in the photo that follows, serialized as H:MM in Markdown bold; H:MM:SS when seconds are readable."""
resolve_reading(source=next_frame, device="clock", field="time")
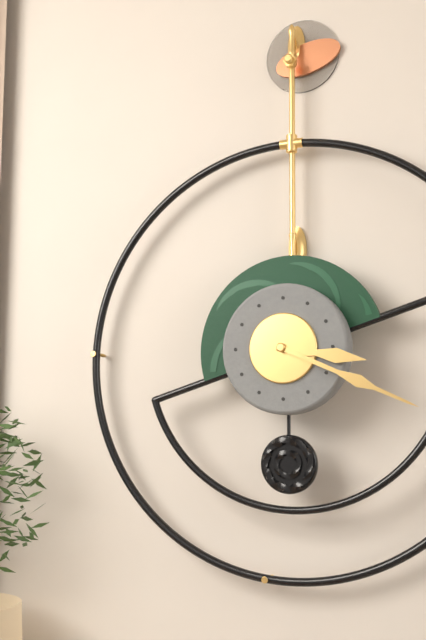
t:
**3:19**
